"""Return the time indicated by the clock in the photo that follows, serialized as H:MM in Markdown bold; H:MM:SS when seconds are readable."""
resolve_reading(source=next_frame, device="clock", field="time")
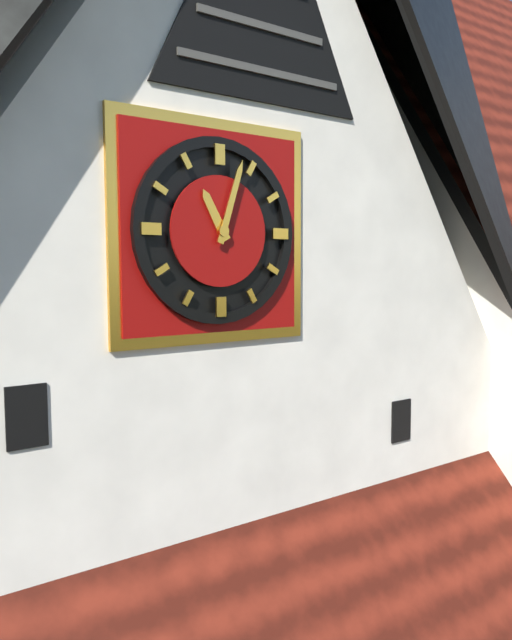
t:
**11:03**
